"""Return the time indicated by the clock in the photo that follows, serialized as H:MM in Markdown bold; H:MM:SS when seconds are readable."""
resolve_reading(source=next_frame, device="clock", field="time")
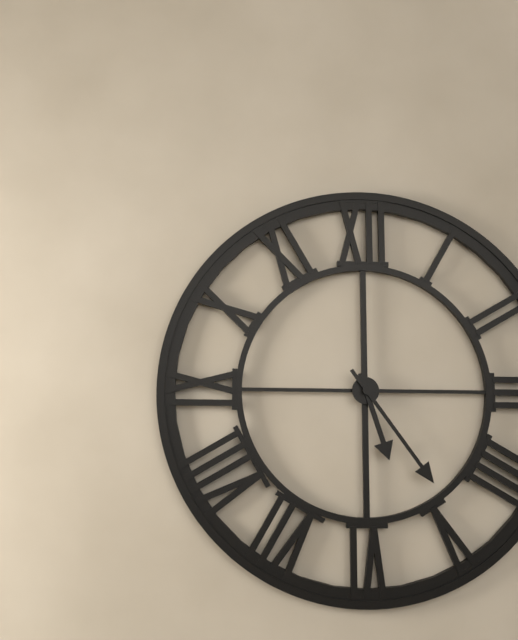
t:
**5:24**
